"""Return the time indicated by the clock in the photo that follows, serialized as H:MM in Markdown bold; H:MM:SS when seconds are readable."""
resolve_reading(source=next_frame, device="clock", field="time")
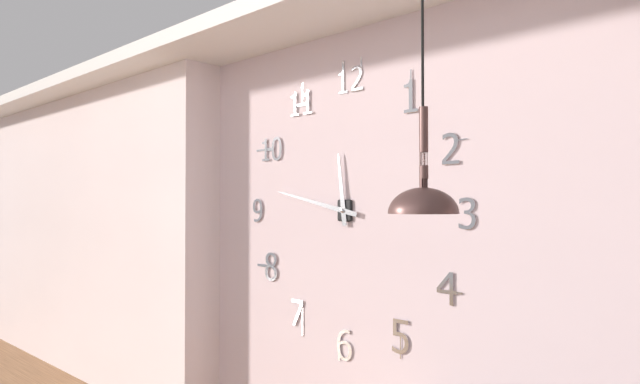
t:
**11:47**
